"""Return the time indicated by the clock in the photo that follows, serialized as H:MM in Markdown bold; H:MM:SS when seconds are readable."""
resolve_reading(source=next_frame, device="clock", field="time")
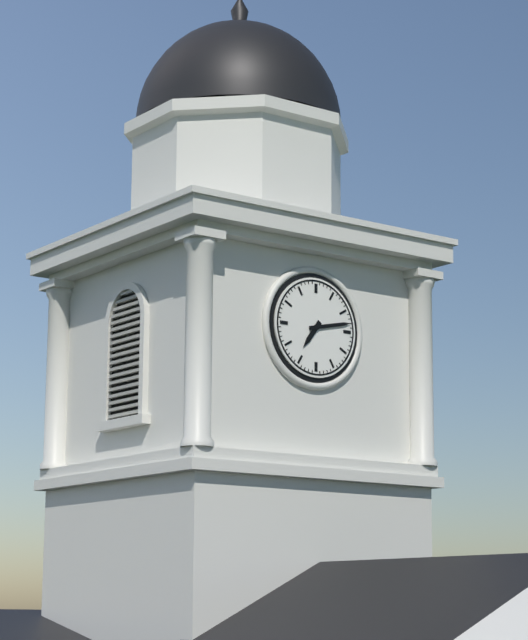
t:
**7:13**
